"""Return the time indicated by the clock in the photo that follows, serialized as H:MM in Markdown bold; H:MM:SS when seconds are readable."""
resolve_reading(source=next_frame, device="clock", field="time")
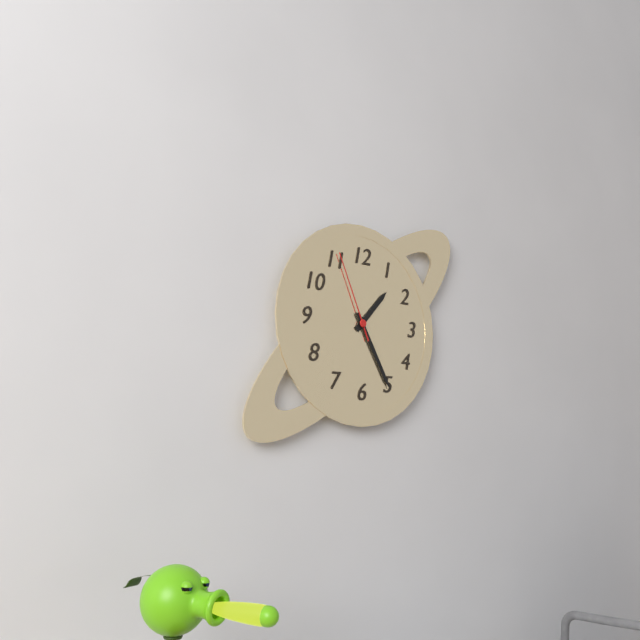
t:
**1:25:56**
